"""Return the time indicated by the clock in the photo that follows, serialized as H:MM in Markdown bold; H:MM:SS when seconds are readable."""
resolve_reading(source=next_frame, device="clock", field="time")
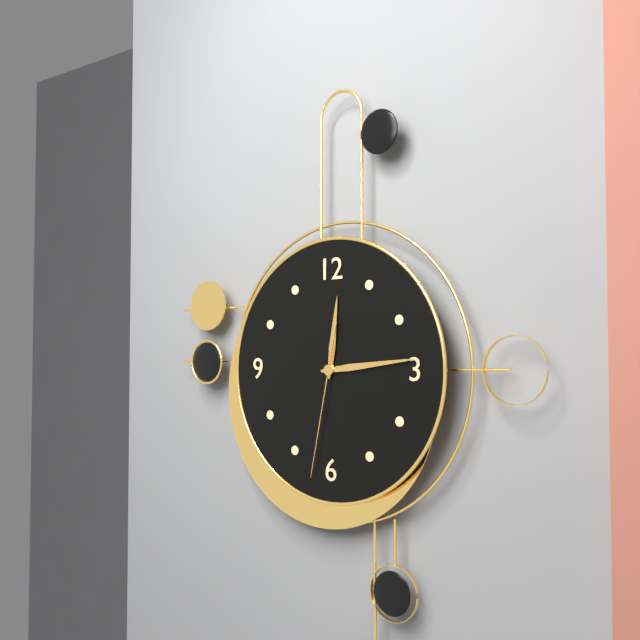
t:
**12:14:32**
